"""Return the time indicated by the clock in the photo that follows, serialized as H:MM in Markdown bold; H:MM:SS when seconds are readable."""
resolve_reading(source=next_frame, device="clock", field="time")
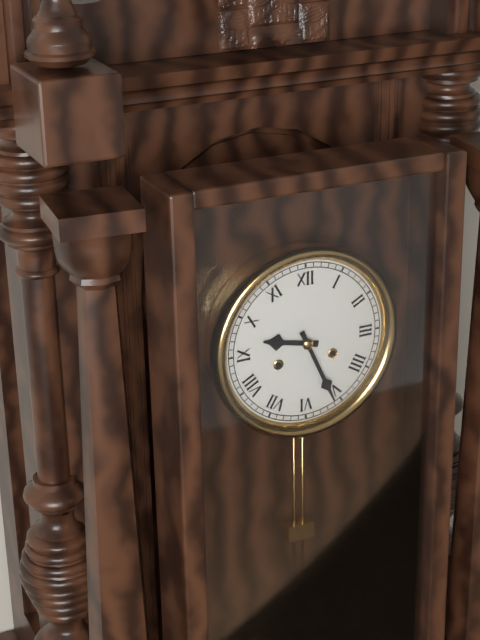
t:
**9:26**
